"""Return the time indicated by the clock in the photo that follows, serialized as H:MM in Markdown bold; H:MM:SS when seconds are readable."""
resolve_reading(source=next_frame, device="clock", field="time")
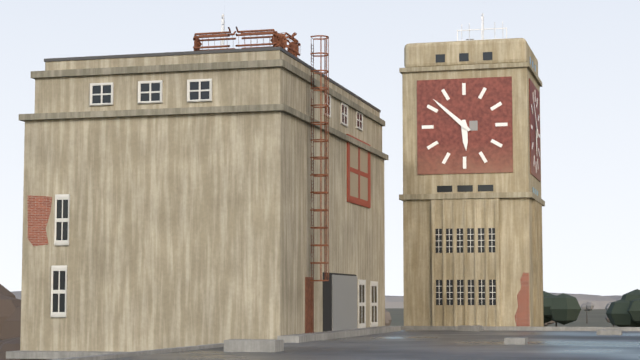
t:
**5:52**
